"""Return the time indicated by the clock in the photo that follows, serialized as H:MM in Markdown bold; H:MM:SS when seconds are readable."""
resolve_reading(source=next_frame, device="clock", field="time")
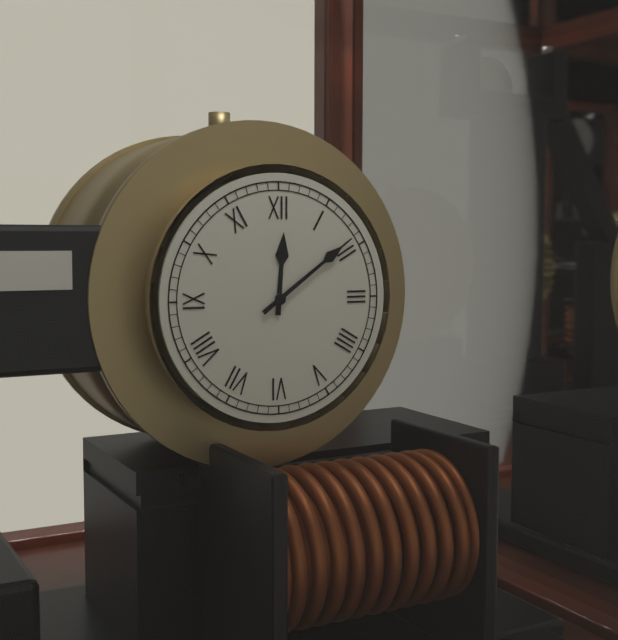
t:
**12:09**
